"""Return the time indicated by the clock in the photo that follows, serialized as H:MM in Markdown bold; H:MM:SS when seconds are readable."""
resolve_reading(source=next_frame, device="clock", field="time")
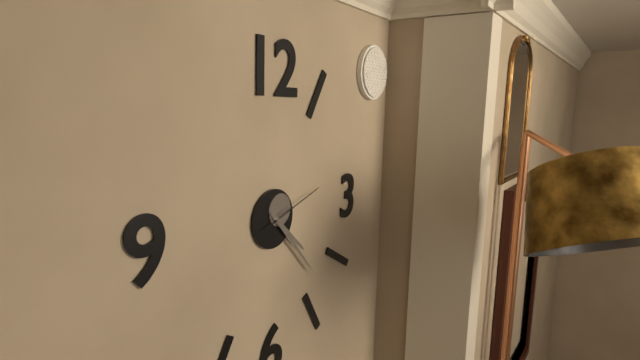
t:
**4:23:12**
